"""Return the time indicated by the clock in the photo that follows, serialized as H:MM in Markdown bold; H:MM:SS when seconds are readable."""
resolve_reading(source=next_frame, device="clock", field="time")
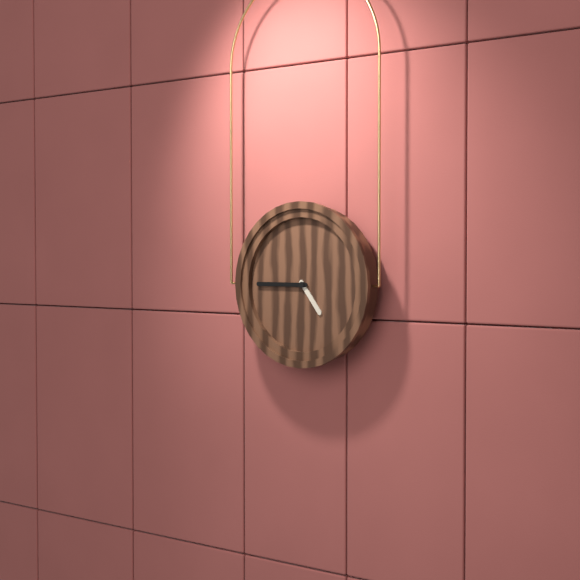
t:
**4:45**
